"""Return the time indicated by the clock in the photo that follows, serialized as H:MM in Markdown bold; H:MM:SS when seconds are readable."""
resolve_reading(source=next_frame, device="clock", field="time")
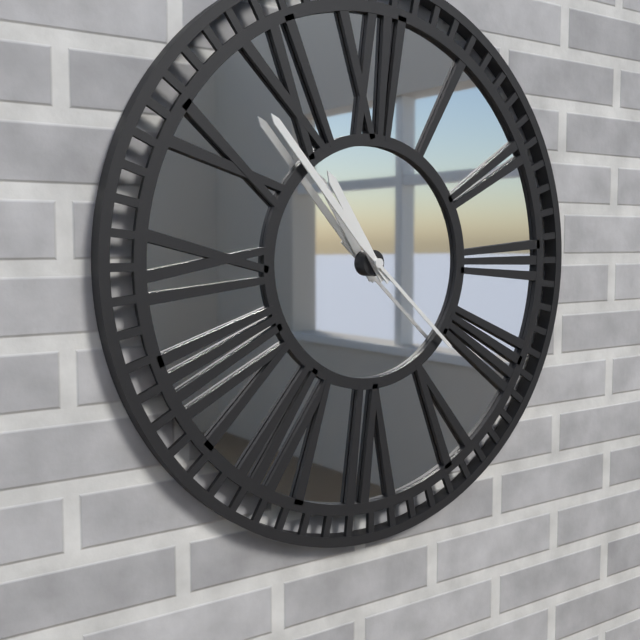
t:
**10:53:22**
